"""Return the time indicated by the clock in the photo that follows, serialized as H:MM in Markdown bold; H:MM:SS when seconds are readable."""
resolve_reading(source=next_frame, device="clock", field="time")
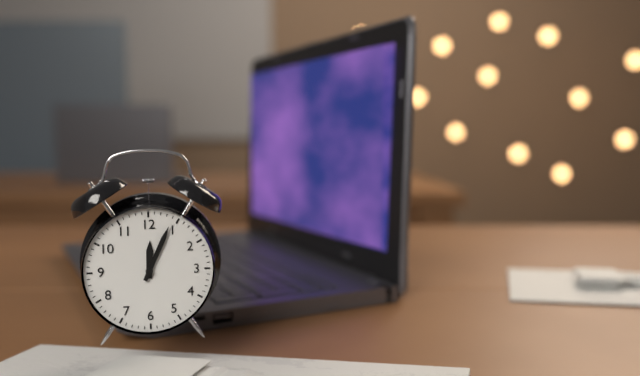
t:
**12:04**
